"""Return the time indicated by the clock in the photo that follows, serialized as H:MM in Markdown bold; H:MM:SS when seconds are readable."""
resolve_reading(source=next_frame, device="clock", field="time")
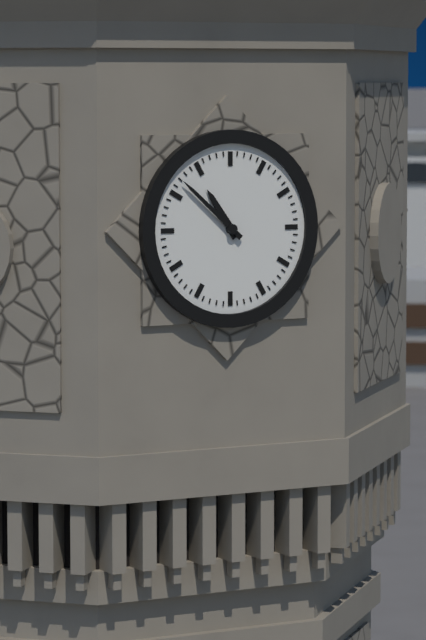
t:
**10:52**
